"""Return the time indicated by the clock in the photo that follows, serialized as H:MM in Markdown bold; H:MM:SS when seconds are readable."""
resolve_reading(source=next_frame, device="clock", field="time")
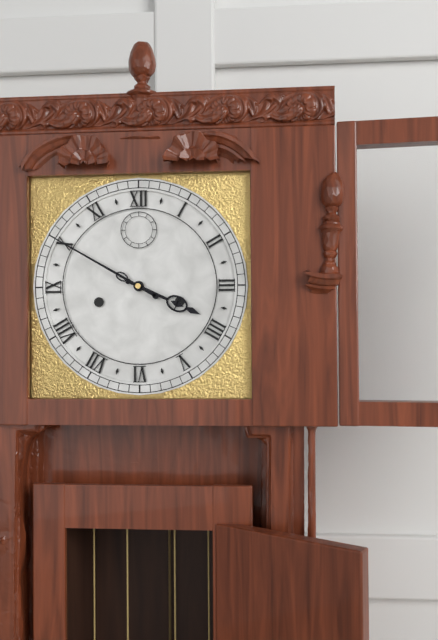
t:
**3:50**
